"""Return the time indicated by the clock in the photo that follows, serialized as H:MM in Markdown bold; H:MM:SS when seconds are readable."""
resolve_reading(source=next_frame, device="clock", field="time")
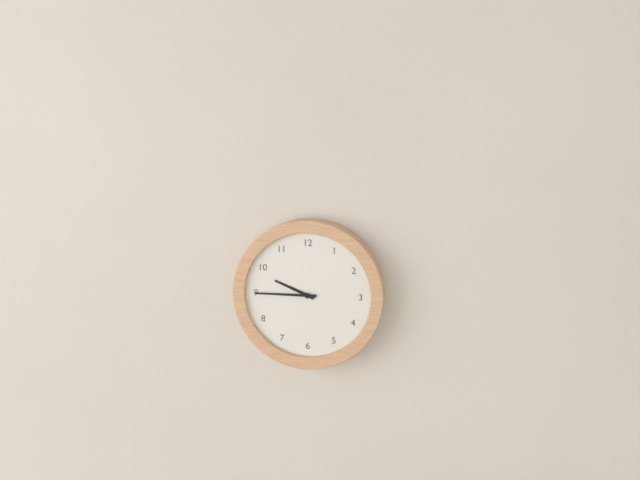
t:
**9:45**
